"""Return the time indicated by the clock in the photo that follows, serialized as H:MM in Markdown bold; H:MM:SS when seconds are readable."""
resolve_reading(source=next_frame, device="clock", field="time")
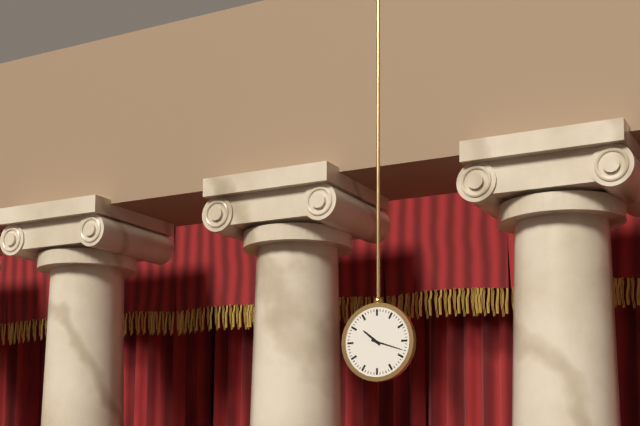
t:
**10:18**
